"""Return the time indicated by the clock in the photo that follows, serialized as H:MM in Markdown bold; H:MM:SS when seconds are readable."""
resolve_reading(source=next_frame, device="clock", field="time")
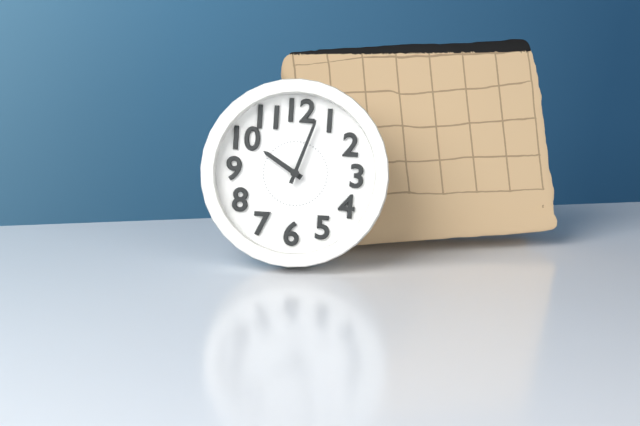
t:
**10:03**
